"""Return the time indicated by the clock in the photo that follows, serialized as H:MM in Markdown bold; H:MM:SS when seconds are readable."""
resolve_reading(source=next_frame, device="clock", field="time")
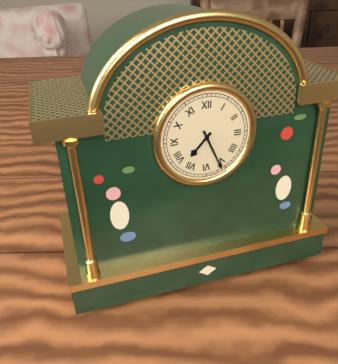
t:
**7:26**
